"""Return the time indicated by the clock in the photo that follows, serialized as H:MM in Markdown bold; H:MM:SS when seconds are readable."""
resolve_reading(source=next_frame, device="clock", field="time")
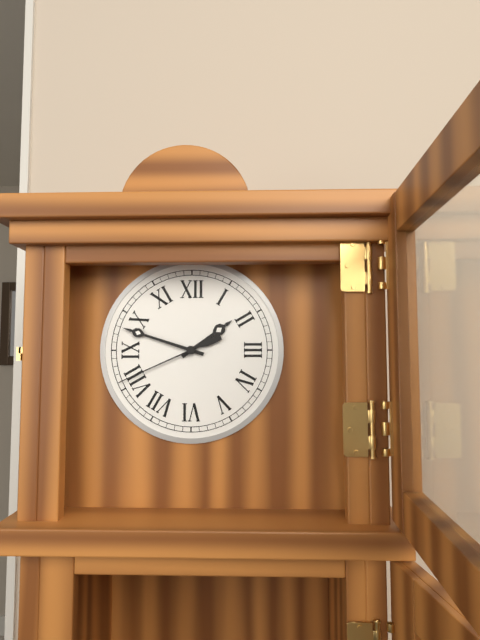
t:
**1:48:41**
